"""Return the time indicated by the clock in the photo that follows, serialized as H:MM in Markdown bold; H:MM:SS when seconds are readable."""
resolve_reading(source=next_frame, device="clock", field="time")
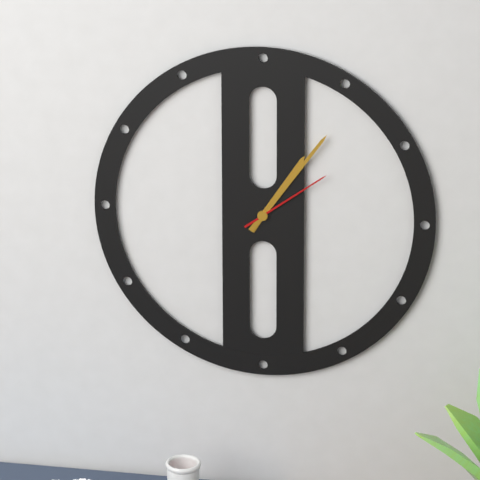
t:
**1:06:09**
